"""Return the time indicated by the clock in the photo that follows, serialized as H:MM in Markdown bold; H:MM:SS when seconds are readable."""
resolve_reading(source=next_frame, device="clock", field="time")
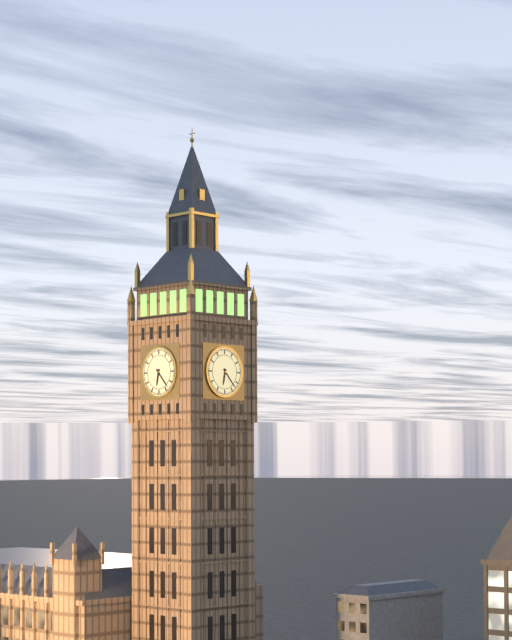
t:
**6:23**
